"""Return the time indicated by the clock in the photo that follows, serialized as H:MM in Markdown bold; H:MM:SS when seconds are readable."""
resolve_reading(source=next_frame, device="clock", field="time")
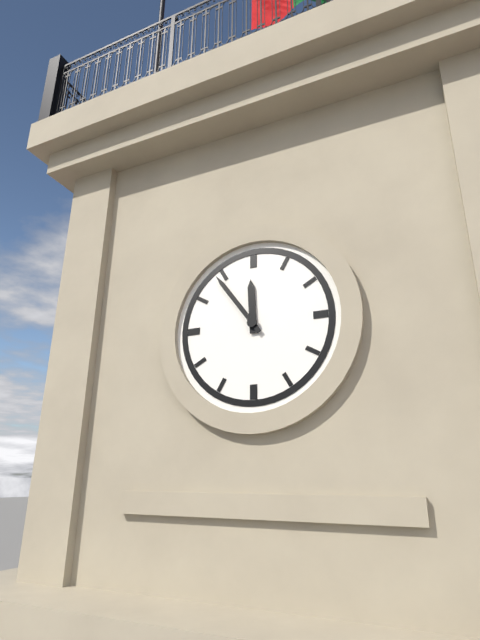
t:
**11:54**
